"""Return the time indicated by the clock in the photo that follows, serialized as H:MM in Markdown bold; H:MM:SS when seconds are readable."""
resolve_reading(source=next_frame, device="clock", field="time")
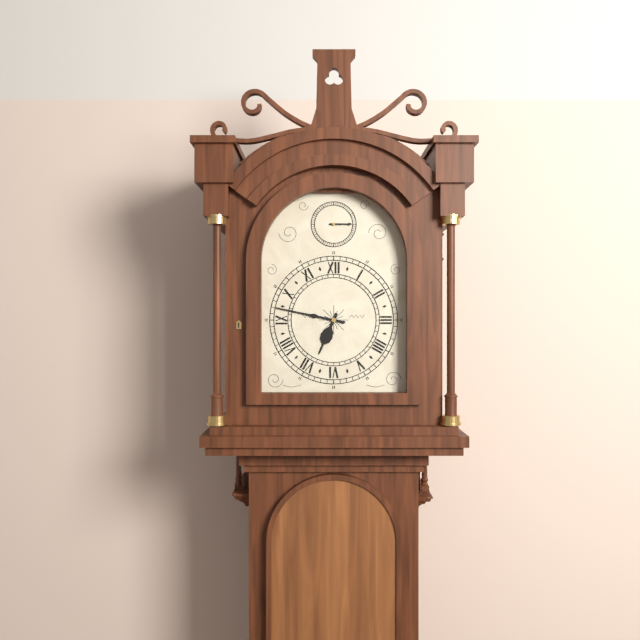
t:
**6:47**
